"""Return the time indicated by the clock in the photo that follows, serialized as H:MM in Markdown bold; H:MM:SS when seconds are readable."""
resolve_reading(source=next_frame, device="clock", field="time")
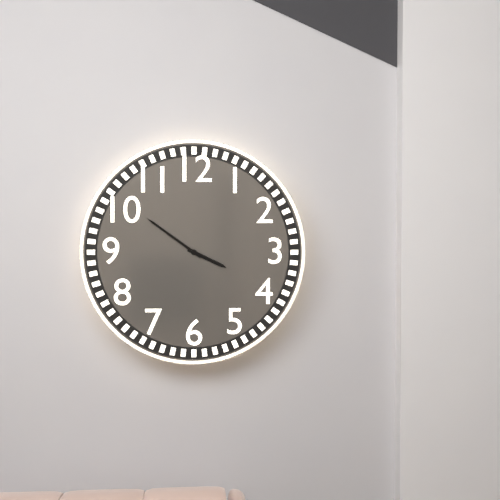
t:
**3:51**
